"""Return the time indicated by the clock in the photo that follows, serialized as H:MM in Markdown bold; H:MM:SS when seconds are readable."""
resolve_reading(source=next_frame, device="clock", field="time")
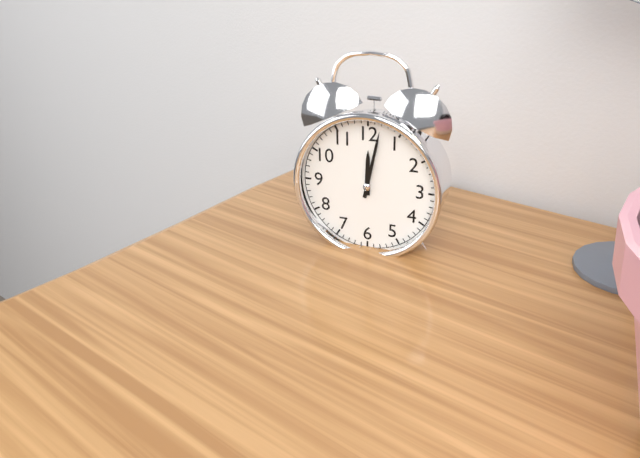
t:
**12:02**
